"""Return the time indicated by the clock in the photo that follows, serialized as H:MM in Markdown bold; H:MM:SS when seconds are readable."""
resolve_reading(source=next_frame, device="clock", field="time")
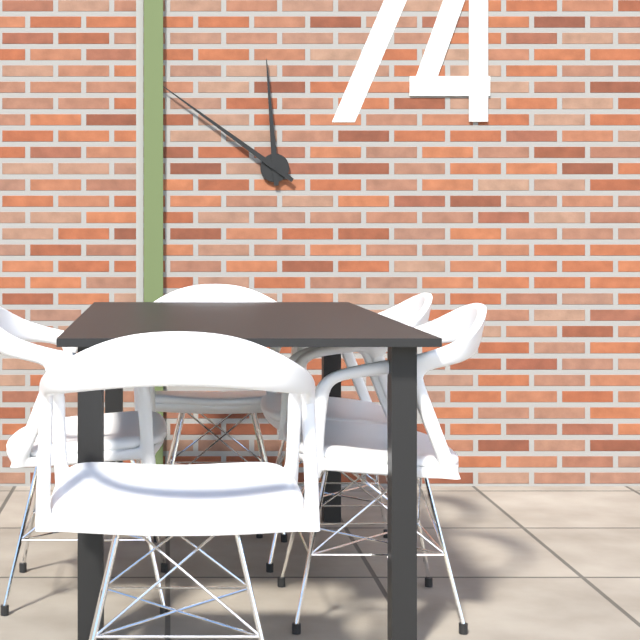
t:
**11:51**
